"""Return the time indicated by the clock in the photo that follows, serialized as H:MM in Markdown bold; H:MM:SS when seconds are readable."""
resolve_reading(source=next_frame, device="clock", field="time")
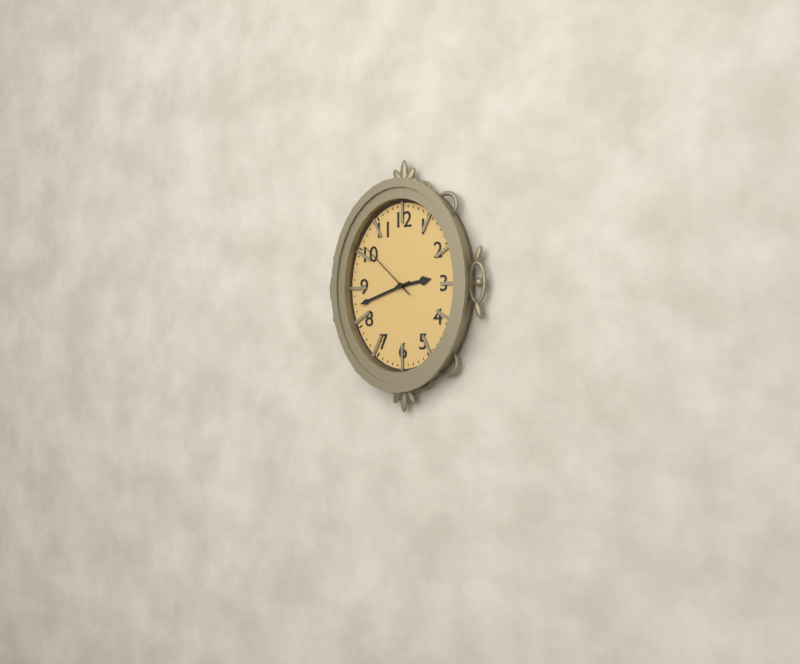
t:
**2:42:52**
